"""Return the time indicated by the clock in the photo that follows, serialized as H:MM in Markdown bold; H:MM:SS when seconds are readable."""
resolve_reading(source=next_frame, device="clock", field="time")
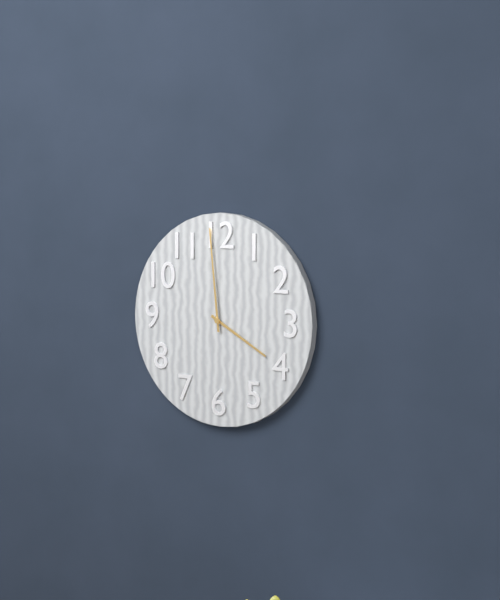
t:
**3:59**
